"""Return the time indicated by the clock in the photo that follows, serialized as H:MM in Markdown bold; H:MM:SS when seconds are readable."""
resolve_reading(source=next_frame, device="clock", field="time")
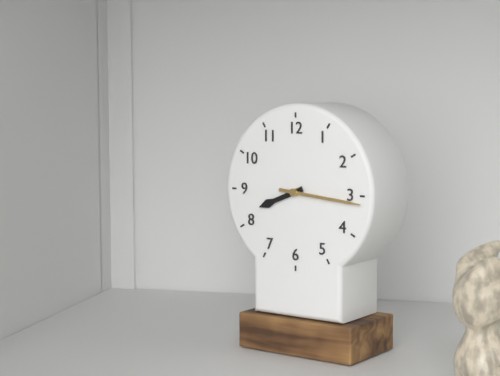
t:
**8:16**
